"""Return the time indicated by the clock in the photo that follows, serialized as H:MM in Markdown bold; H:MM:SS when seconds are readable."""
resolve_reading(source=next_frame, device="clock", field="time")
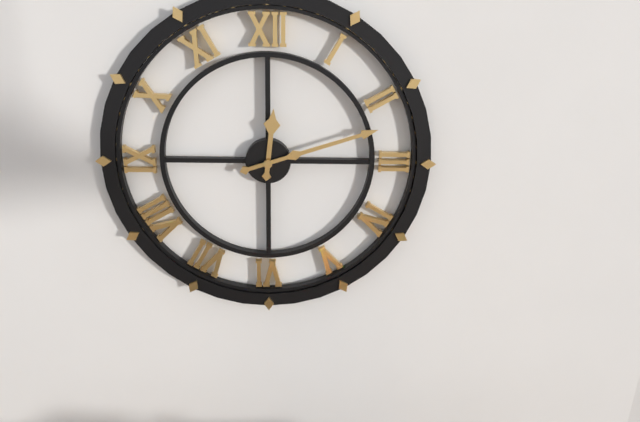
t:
**12:12**
